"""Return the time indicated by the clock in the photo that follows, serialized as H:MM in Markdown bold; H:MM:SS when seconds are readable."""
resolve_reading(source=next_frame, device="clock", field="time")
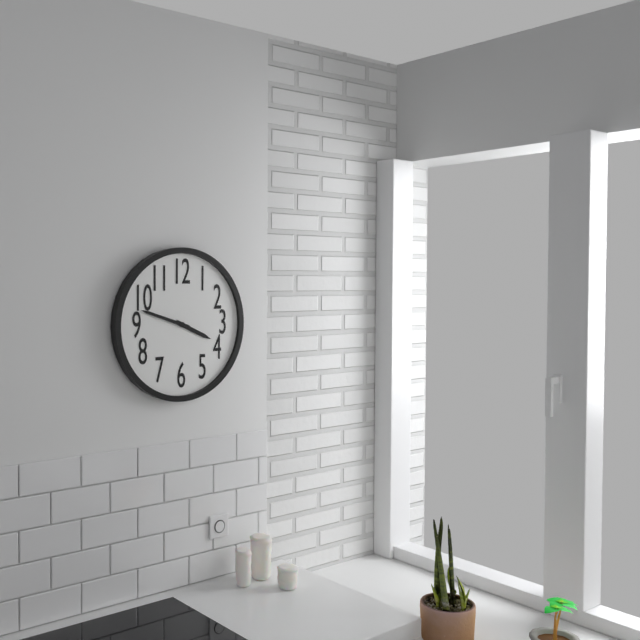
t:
**3:48**
